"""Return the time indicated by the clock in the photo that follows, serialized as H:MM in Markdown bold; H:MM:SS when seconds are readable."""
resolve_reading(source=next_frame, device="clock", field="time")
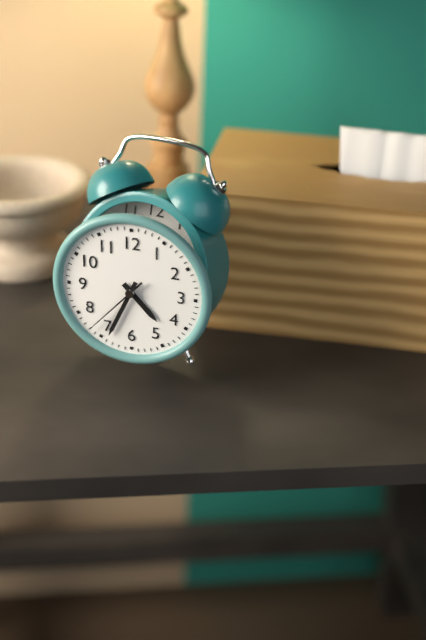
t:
**4:34:37**
